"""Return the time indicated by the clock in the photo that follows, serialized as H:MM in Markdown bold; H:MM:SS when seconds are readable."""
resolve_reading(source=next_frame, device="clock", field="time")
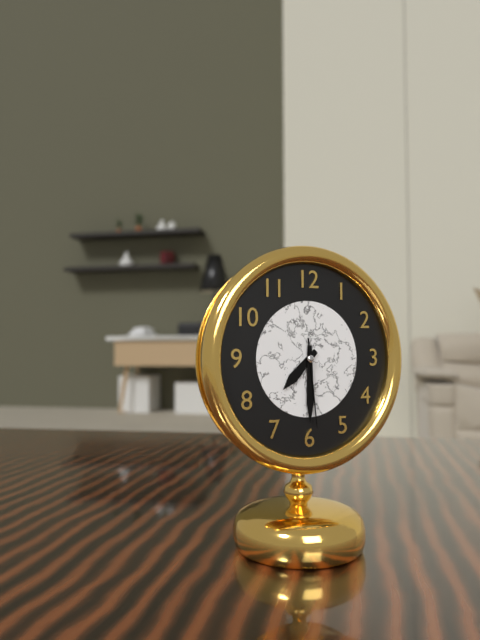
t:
**7:30:29**
